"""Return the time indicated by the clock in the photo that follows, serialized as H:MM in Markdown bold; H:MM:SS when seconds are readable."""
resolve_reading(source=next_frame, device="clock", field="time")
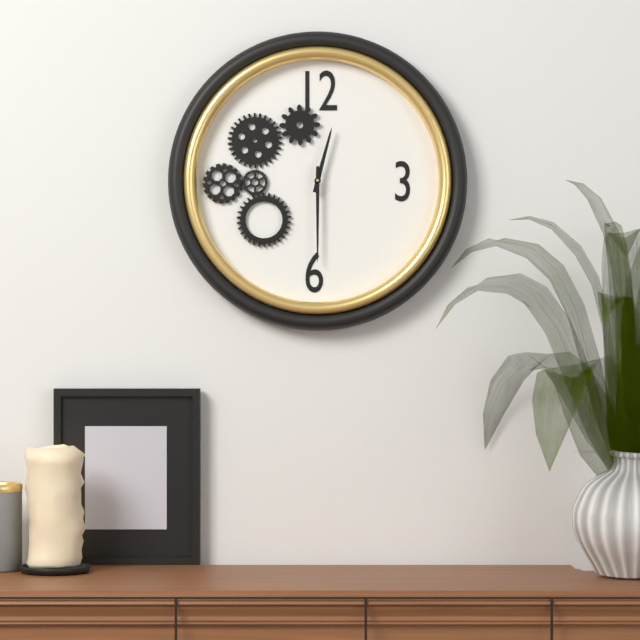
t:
**12:30**
